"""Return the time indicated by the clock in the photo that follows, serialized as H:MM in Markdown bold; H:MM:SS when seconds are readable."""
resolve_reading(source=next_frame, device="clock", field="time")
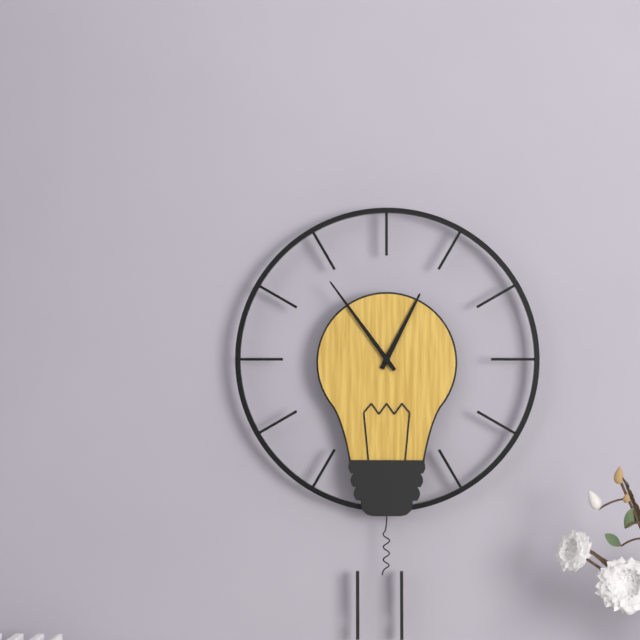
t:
**12:54**
